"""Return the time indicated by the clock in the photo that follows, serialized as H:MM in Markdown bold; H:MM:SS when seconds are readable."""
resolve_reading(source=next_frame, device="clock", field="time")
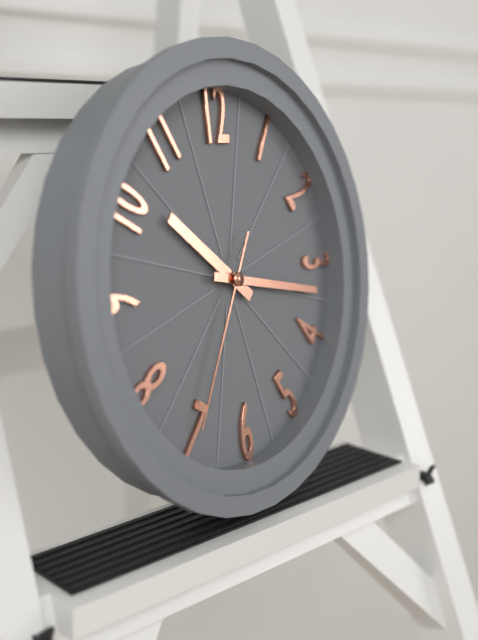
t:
**10:17:35**
